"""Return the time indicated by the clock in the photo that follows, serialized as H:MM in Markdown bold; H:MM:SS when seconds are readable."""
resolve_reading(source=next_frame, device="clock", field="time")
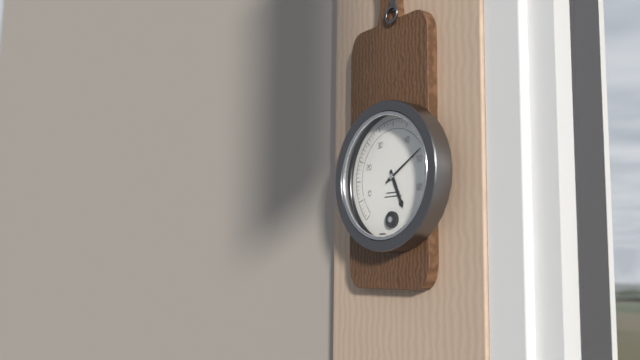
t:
**5:10**
